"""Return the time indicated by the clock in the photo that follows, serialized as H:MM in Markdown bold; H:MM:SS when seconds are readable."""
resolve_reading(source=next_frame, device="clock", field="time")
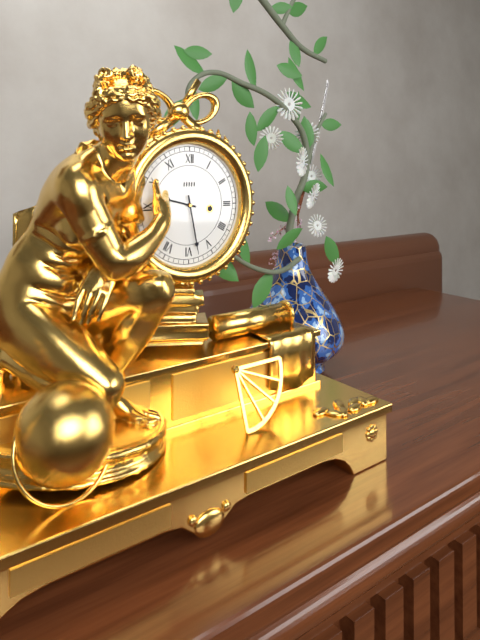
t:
**9:28**
